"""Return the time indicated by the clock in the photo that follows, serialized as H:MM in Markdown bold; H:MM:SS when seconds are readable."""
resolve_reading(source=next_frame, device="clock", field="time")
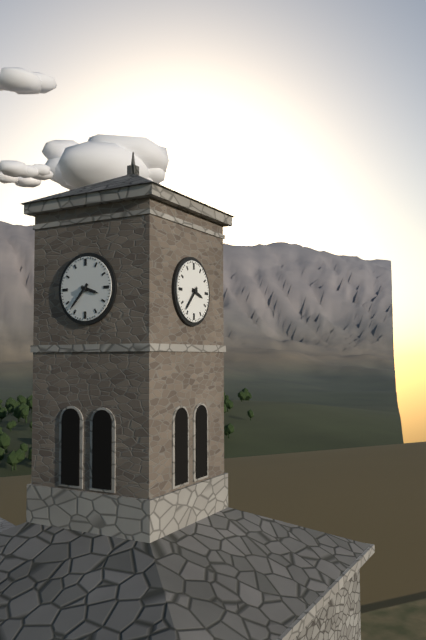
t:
**3:37**
